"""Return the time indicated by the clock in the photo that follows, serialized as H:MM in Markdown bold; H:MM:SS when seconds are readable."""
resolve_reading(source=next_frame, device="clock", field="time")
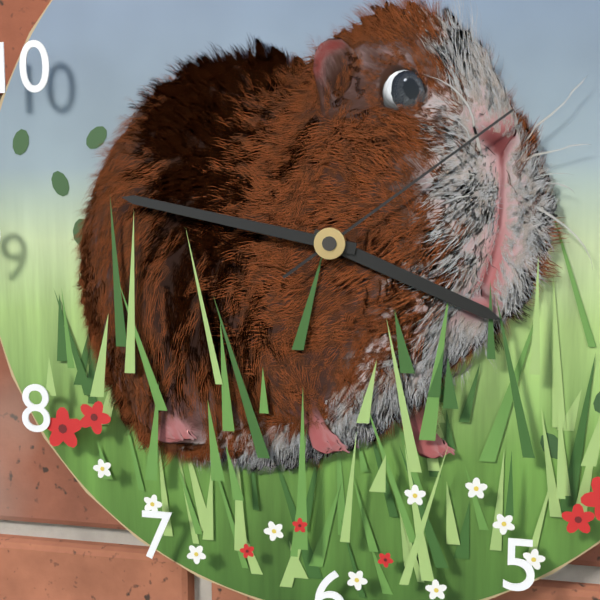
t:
**3:47:09**
